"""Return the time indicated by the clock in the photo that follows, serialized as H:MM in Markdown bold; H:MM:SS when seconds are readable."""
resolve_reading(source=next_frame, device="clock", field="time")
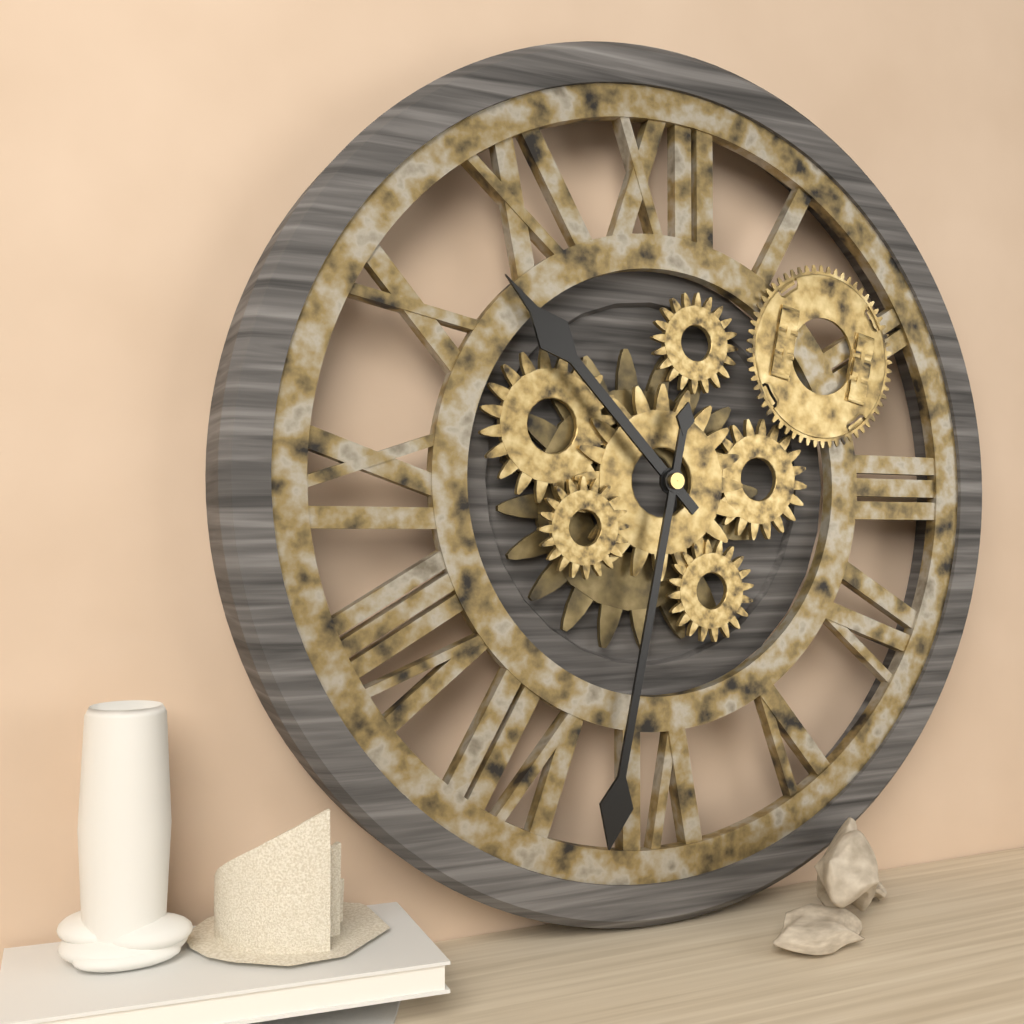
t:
**10:32**
